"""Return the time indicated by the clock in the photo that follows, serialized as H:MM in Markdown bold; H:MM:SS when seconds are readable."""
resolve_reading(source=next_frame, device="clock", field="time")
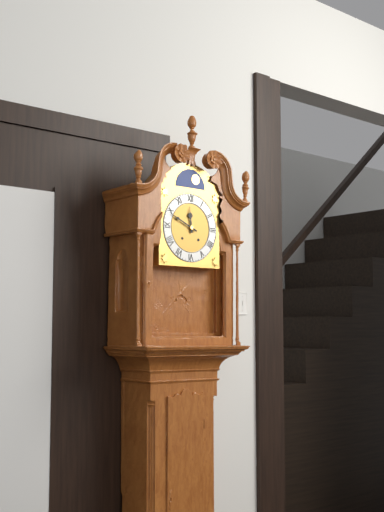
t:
**11:49**
